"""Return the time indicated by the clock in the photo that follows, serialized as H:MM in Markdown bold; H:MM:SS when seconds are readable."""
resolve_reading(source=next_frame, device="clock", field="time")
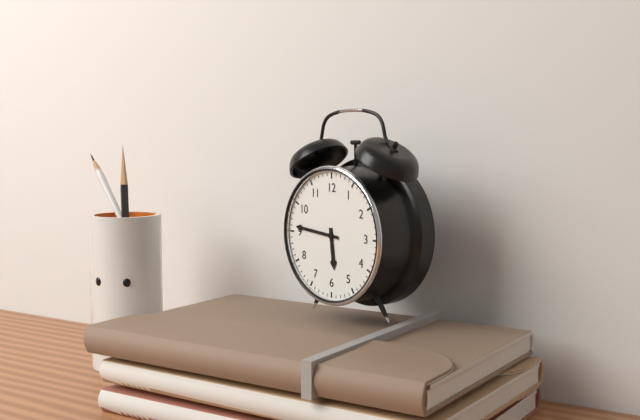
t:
**5:46**
